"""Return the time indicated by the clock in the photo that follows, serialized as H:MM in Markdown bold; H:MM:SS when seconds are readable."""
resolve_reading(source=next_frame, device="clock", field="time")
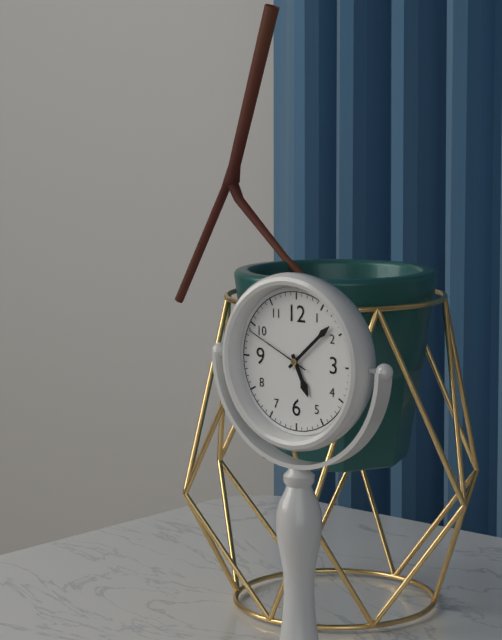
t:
**5:08:49**
